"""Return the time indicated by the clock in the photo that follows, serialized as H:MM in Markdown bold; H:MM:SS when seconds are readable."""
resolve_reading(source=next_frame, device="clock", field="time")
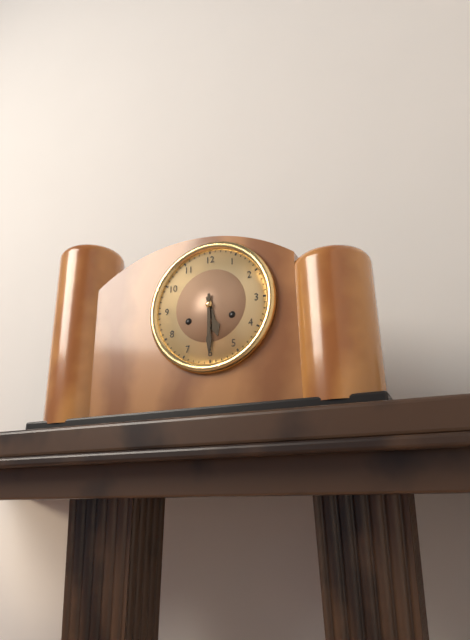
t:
**5:30**
